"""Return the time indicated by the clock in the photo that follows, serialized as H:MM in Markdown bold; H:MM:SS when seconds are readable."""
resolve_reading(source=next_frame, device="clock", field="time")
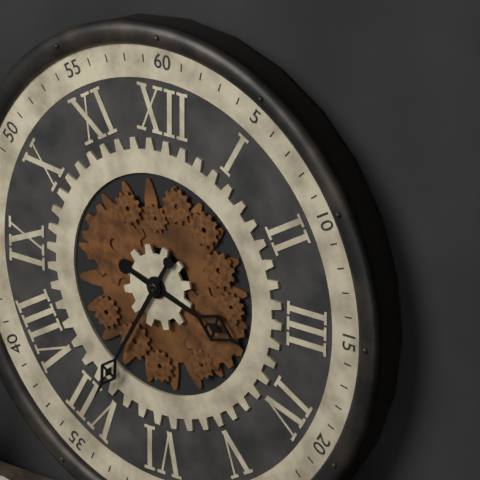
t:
**3:35**
